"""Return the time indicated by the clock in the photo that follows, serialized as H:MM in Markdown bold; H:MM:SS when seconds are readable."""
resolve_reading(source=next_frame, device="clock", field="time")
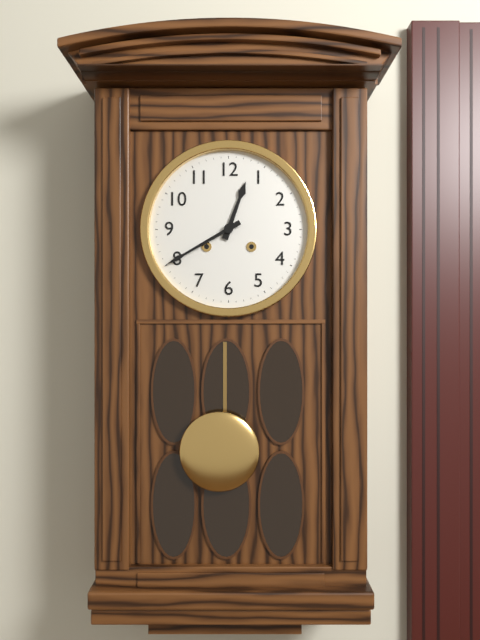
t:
**12:40**
